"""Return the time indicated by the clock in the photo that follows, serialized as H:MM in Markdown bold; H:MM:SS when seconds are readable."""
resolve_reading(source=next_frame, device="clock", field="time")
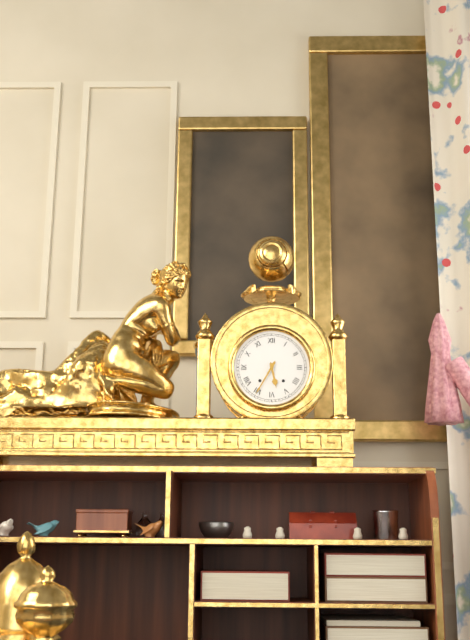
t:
**5:35**
